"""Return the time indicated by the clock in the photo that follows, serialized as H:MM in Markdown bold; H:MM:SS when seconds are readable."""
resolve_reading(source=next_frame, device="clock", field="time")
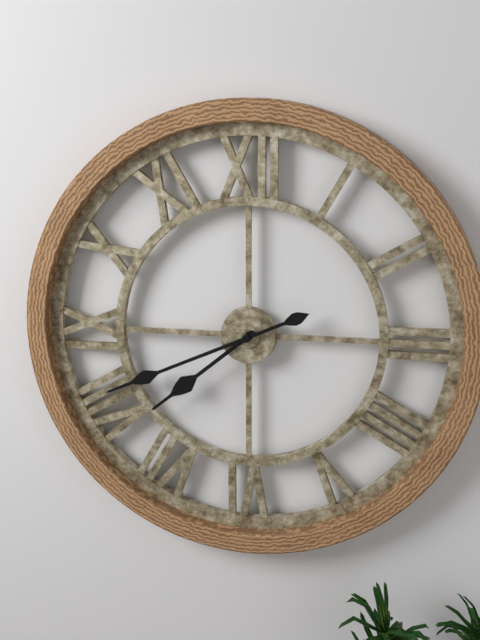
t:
**7:41**
